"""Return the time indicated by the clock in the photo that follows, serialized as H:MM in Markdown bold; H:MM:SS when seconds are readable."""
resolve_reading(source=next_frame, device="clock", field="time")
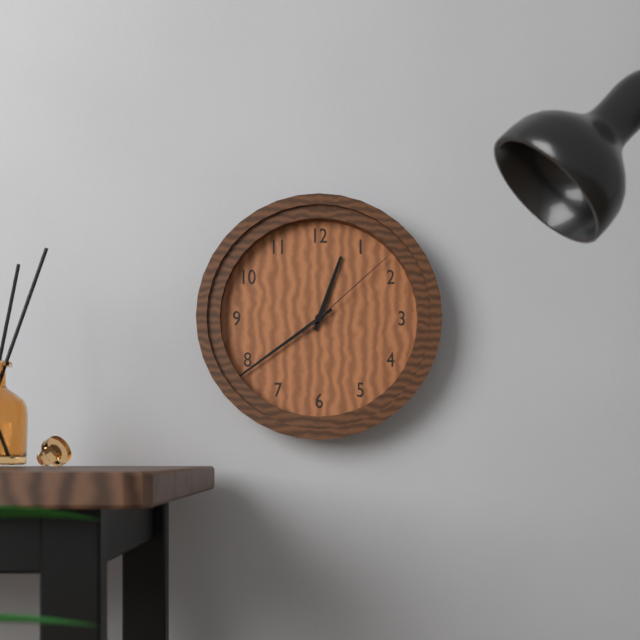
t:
**12:39:08**
